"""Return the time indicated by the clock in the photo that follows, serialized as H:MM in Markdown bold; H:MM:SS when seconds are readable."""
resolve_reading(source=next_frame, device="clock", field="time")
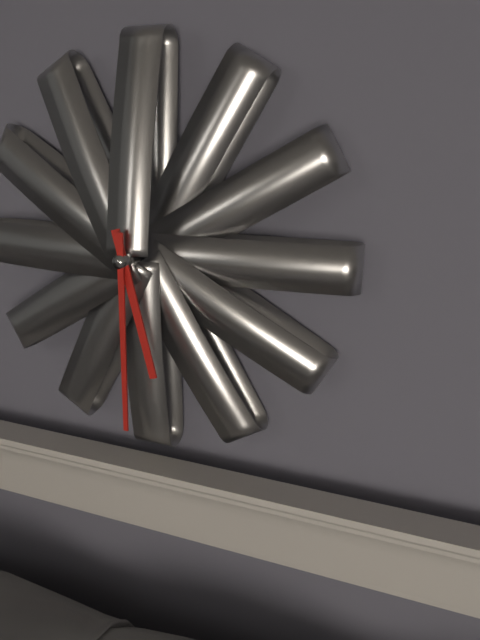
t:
**5:30**
